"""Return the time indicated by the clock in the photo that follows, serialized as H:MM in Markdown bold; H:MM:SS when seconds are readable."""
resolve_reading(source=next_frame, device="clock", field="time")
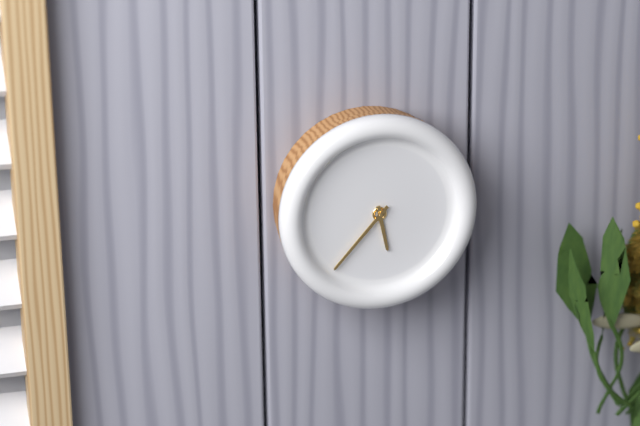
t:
**5:37**
